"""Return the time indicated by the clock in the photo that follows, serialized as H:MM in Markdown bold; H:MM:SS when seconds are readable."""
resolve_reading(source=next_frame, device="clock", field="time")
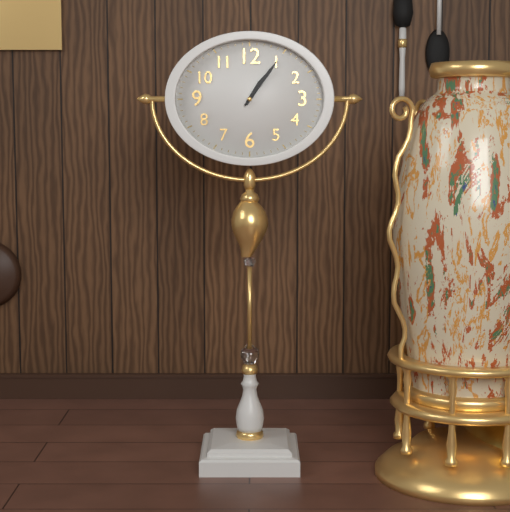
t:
**1:06**
